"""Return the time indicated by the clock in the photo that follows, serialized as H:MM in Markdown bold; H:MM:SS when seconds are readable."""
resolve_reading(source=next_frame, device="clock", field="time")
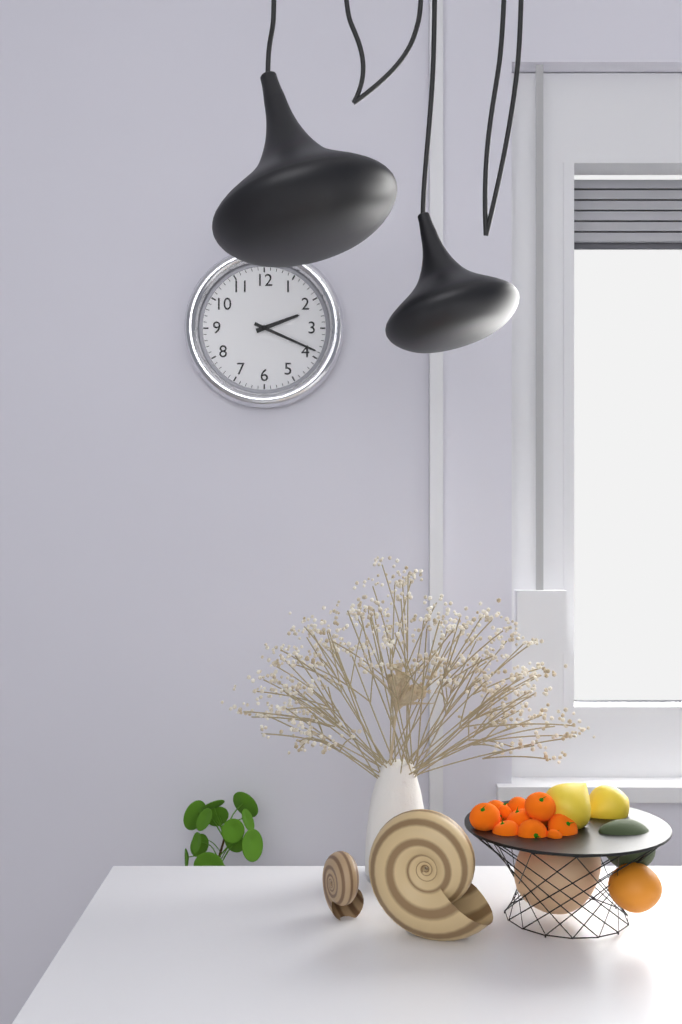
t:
**2:19**
